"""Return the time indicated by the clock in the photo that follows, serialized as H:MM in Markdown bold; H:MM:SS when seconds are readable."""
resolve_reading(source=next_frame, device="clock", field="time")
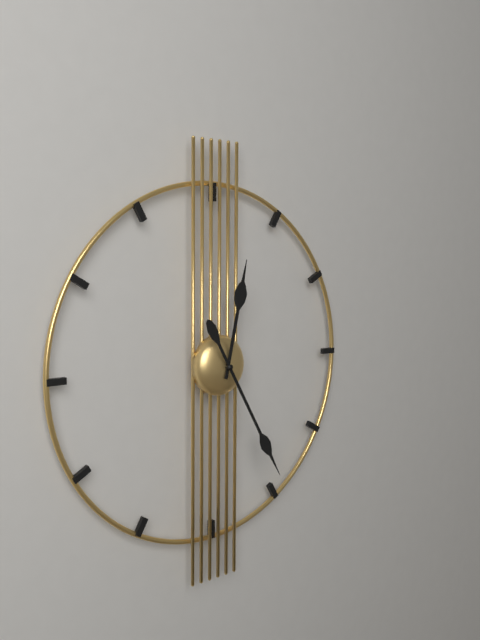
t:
**12:25**
